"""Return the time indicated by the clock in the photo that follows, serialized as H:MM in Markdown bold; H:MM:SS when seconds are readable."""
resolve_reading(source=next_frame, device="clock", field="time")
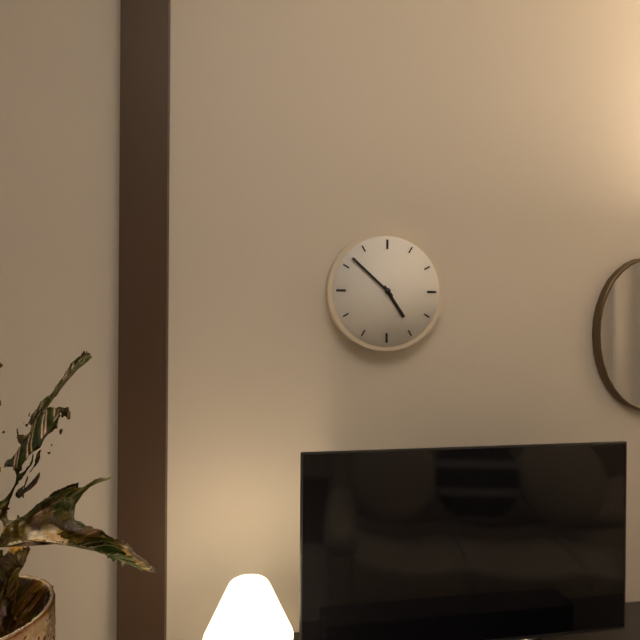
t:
**4:52**
